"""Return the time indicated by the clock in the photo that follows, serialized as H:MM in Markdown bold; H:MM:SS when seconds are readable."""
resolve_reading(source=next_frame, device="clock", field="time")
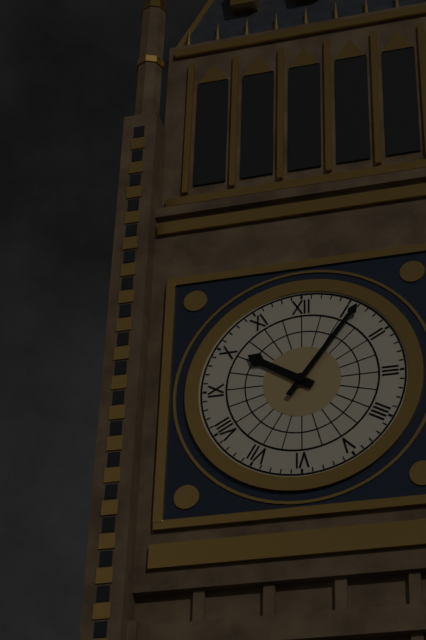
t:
**10:06**
